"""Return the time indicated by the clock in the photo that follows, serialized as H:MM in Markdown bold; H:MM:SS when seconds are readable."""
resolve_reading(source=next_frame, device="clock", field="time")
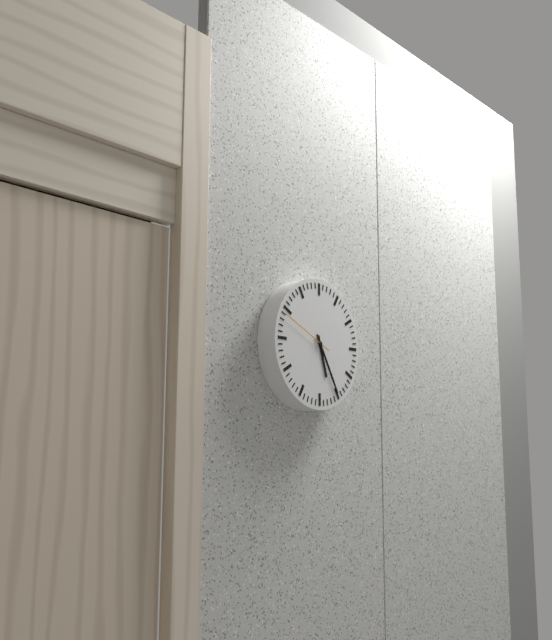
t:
**5:25**
